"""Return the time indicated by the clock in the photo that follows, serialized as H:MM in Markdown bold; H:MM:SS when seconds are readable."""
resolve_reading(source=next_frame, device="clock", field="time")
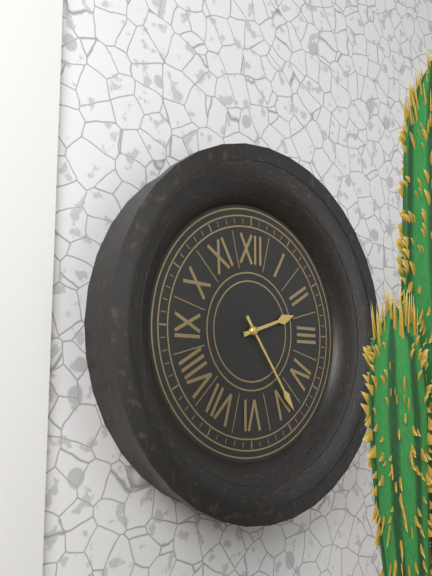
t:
**2:24**
